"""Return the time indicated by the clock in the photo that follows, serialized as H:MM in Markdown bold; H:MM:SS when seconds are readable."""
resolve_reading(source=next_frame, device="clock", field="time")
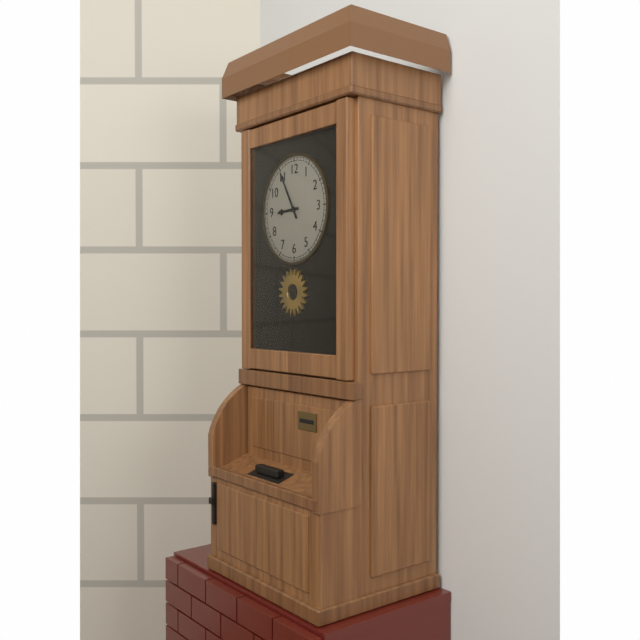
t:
**8:55**
